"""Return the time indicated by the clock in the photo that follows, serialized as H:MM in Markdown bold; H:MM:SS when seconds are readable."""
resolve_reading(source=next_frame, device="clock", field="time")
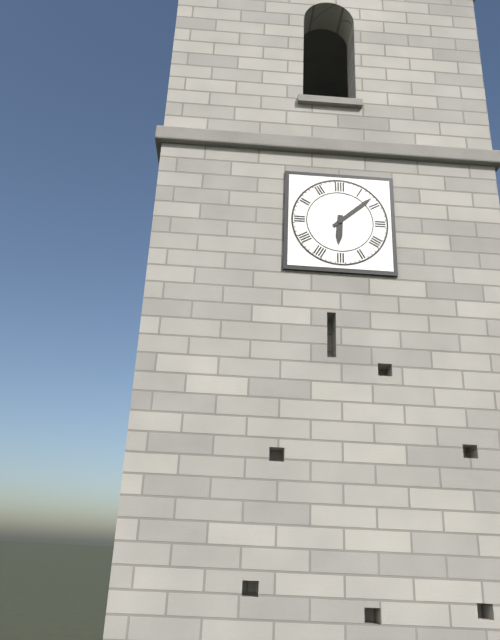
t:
**6:08**
